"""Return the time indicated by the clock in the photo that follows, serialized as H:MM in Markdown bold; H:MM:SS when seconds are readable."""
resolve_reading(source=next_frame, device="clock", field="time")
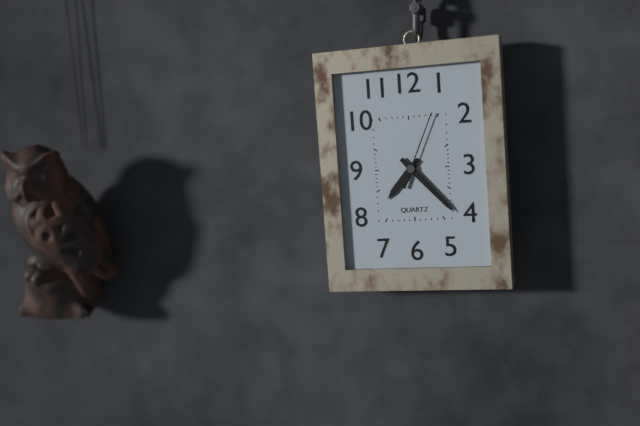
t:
**7:23:04**
